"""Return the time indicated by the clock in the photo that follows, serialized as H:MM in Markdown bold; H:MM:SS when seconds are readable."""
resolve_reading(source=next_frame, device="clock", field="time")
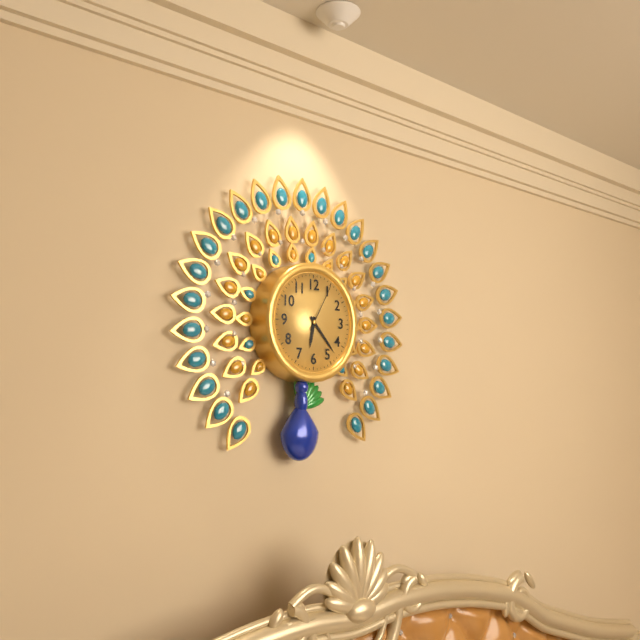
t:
**6:23**
